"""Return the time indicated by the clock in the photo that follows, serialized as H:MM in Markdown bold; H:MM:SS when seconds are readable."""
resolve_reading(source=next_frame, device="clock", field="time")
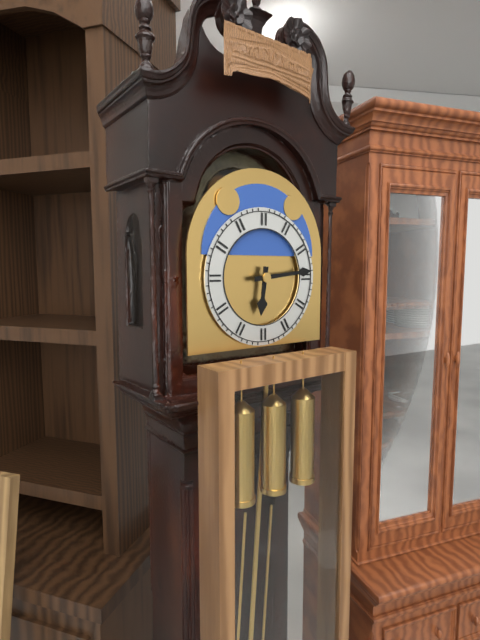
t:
**6:14**
